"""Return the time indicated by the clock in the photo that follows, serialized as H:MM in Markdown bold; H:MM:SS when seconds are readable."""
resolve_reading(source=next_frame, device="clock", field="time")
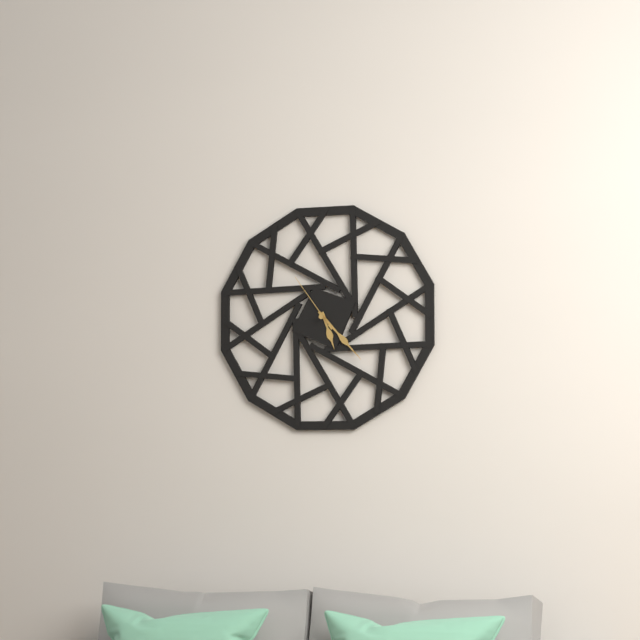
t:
**5:23:54**
